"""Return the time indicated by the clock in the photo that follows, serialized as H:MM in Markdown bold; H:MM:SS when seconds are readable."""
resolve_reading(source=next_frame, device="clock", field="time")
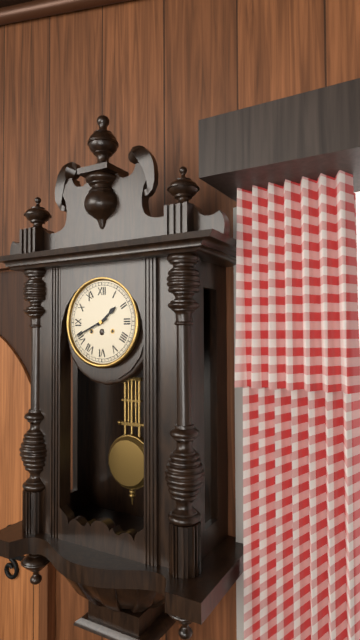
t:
**1:41**
